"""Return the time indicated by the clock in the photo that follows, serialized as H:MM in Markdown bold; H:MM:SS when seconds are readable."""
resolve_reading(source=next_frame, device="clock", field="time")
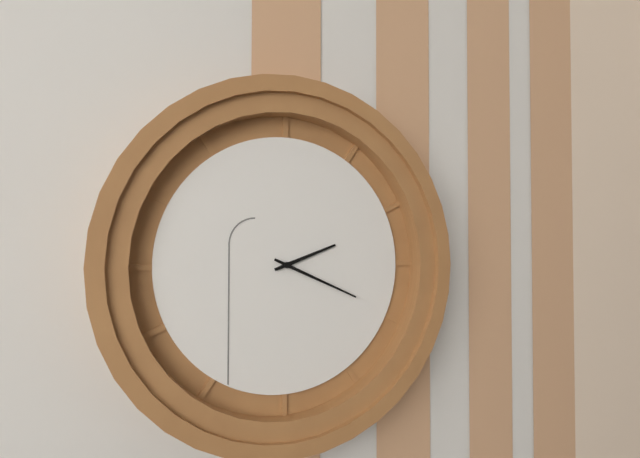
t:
**2:19**
